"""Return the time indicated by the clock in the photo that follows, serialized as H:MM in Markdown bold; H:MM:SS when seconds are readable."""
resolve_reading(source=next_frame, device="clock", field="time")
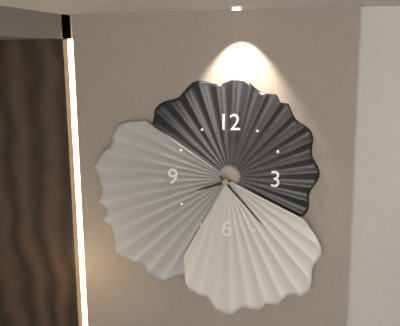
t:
**8:23**
